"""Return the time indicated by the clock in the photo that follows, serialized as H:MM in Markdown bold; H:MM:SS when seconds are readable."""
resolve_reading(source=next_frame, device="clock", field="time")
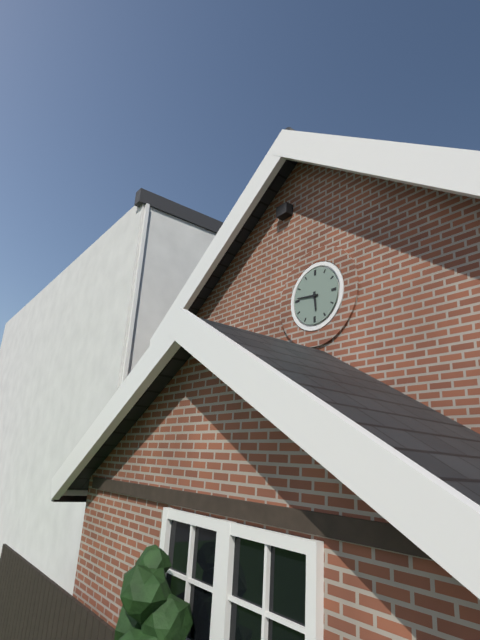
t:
**5:46**
